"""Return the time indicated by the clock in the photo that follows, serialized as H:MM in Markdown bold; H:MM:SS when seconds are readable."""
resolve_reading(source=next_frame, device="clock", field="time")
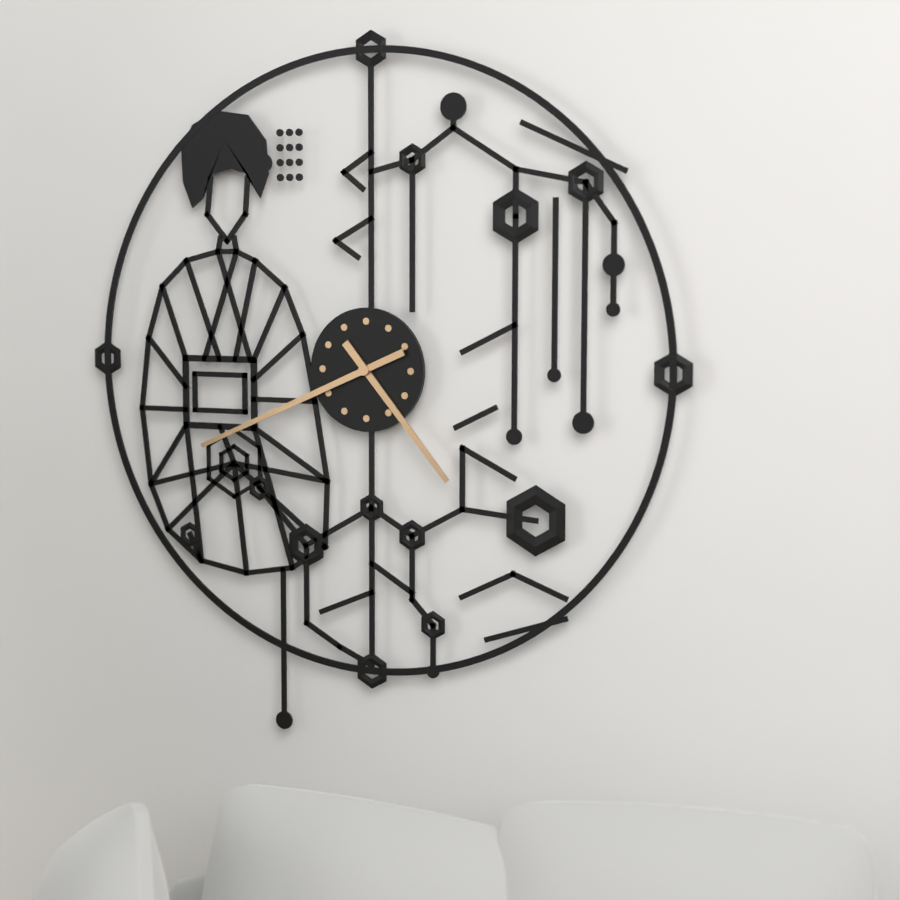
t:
**4:41**
